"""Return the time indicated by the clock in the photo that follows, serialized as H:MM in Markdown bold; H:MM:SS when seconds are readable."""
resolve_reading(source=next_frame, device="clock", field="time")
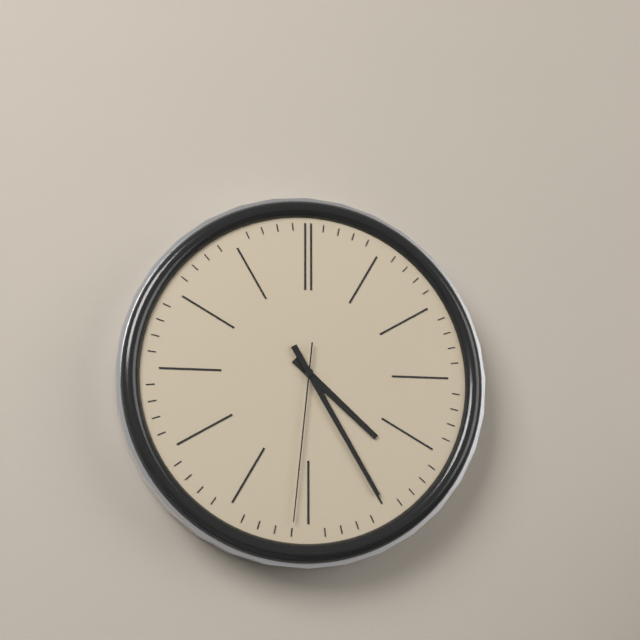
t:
**4:25:31**
